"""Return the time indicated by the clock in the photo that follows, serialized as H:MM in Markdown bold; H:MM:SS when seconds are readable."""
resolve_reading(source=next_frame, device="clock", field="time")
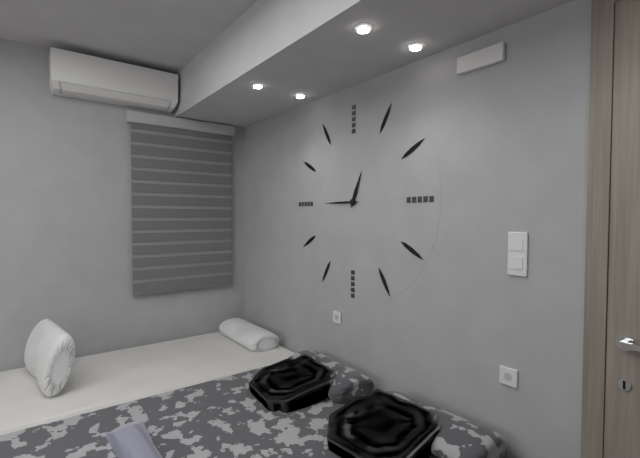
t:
**12:45**
